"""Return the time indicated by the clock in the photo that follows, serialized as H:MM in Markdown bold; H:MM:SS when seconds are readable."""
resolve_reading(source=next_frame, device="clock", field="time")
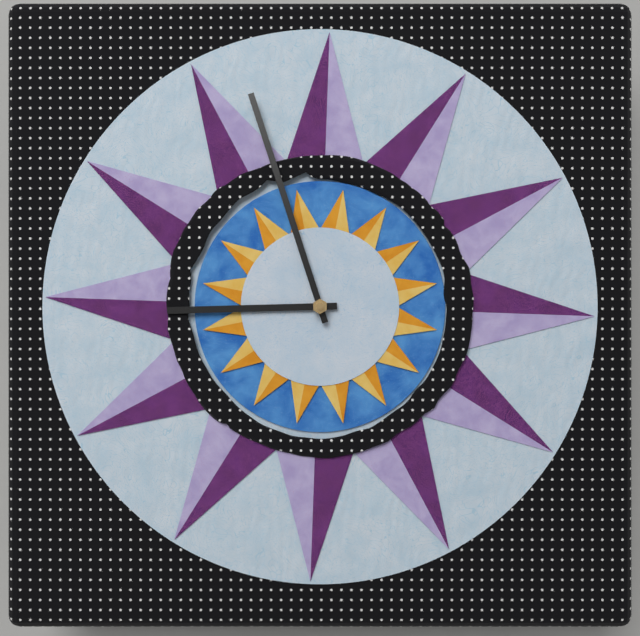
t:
**8:57**
